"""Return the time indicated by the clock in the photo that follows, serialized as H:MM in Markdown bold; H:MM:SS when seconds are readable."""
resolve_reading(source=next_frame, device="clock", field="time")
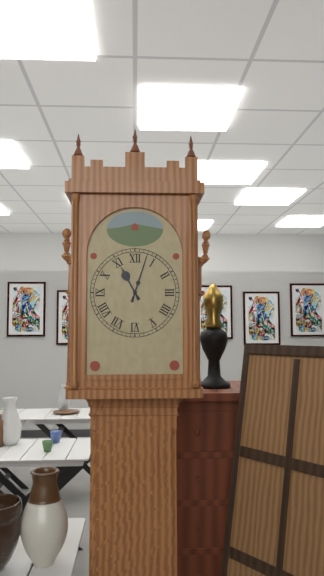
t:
**11:03**
